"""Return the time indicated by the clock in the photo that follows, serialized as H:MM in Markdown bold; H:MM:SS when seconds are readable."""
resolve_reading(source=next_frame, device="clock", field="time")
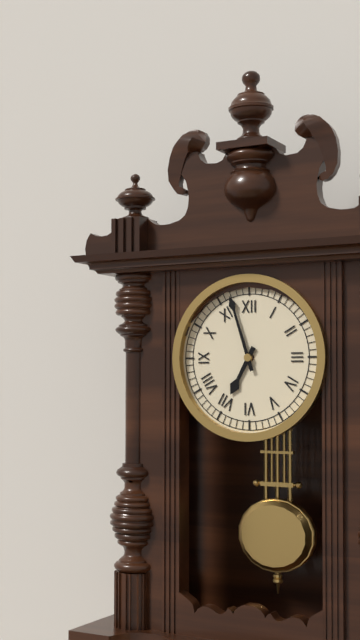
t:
**6:57**
